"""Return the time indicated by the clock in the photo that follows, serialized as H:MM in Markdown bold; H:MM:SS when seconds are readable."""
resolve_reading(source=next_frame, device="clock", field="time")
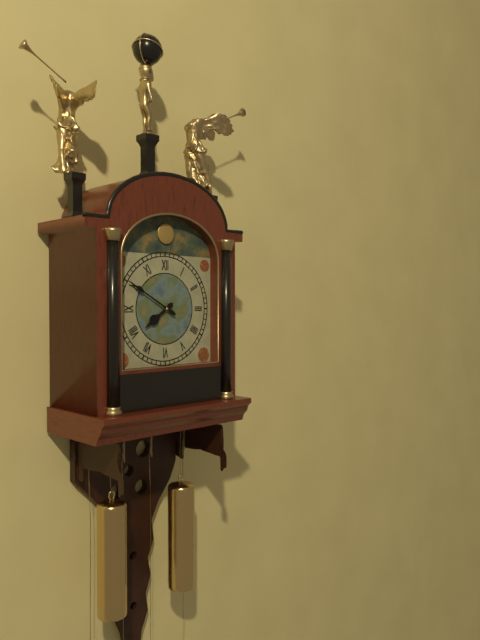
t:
**7:50**
